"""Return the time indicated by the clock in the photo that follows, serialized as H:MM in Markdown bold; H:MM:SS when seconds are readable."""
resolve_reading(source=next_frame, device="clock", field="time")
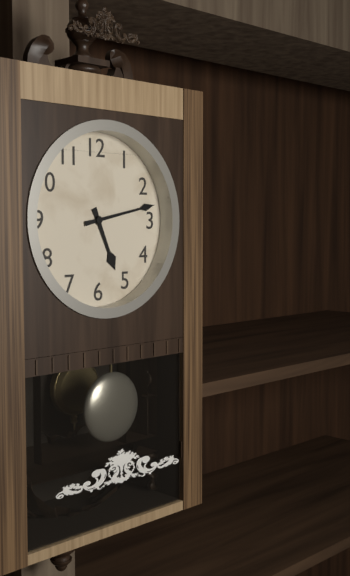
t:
**5:13**
